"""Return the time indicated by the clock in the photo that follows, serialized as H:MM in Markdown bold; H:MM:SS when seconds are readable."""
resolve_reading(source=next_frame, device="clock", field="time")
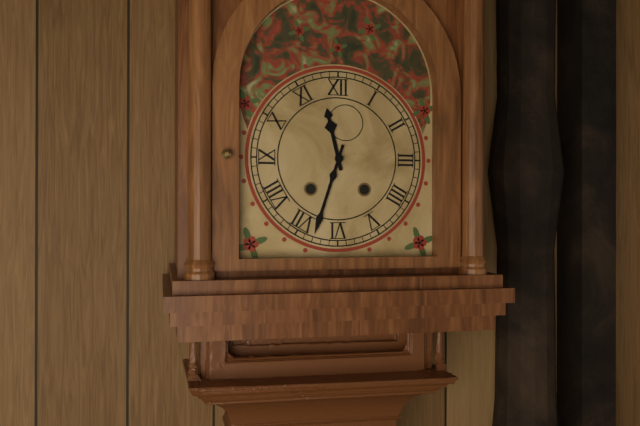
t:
**11:33**
